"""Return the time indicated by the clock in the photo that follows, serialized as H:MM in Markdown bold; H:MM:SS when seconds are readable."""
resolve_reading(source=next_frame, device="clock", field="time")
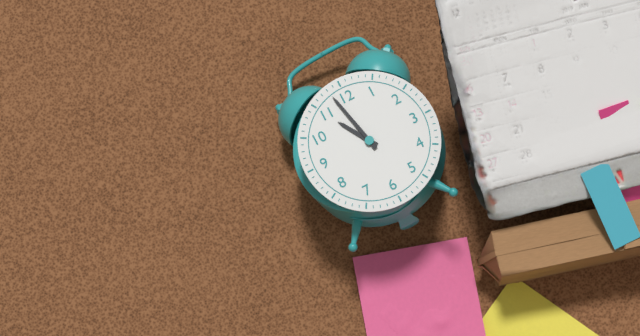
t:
**10:58**
